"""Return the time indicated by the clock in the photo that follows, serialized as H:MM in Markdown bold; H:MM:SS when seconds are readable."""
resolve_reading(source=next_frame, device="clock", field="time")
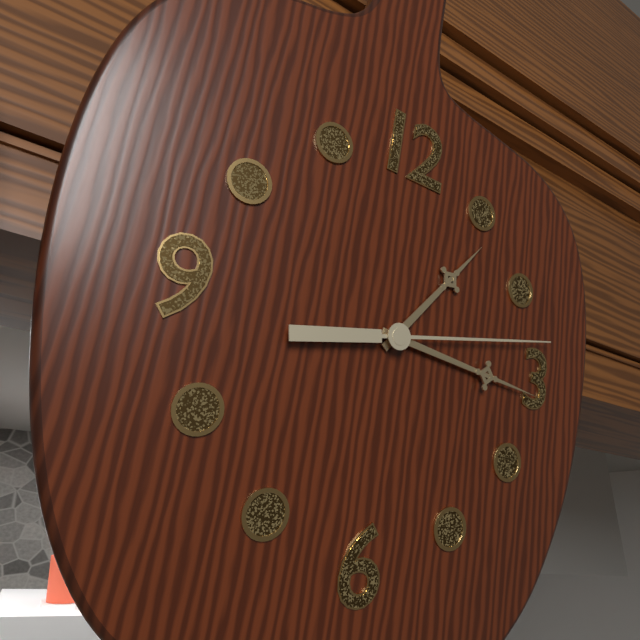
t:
**1:16:13**
